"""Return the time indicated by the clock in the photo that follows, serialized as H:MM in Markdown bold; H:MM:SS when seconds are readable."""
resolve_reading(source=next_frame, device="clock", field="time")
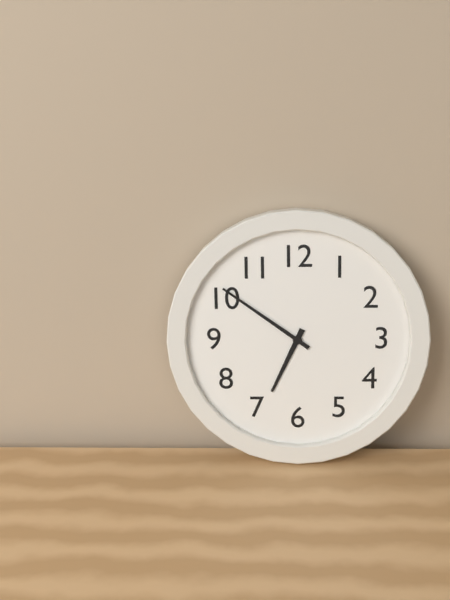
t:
**6:51**
